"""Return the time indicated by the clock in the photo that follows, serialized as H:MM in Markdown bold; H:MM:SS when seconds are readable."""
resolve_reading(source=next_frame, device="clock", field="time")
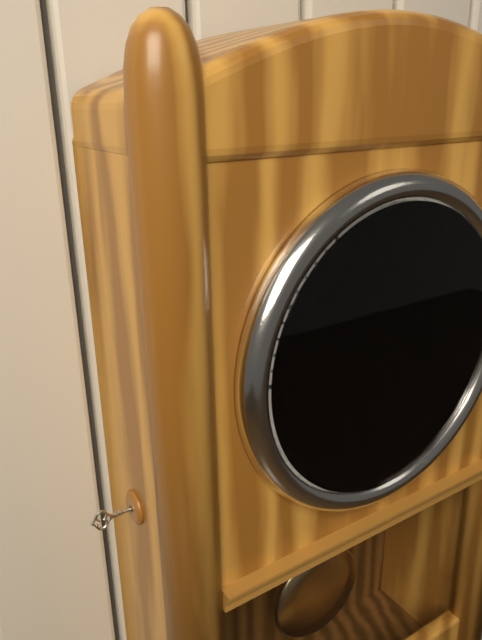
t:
**1:04**
